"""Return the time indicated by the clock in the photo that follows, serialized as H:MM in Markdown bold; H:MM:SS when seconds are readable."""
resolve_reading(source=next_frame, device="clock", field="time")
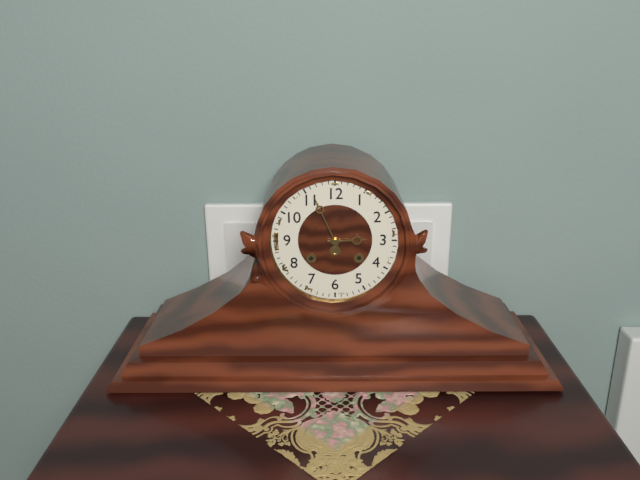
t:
**2:56**
